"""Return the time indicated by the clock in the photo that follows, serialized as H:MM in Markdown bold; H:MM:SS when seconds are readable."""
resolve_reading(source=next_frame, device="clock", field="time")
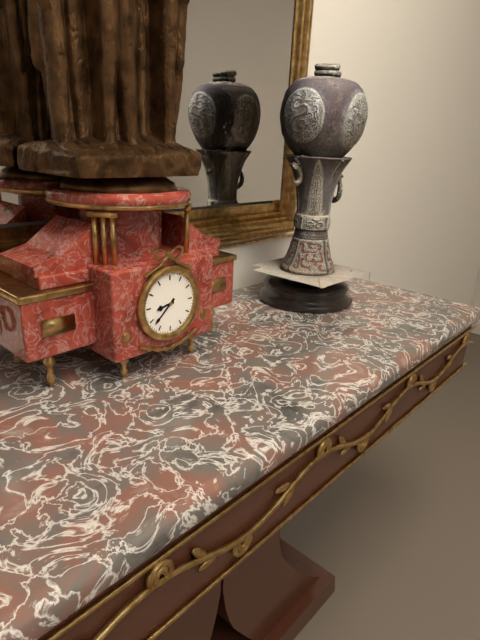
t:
**8:38**
